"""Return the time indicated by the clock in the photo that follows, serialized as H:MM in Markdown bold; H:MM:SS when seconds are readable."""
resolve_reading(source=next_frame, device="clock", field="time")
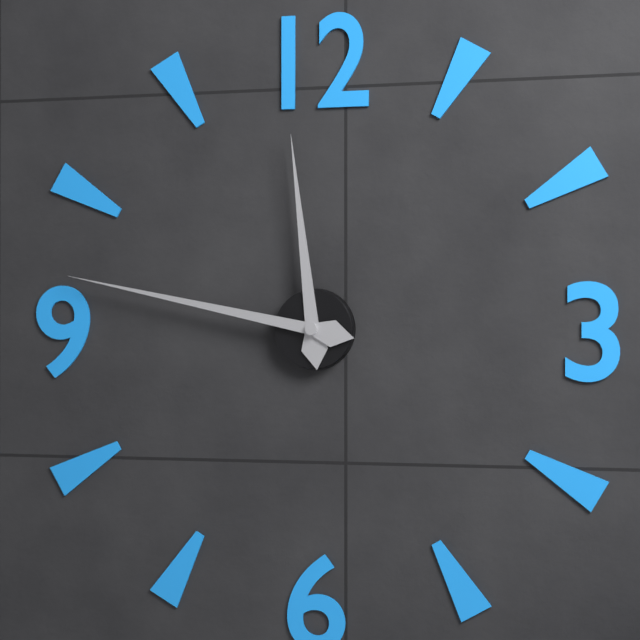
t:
**11:47**
